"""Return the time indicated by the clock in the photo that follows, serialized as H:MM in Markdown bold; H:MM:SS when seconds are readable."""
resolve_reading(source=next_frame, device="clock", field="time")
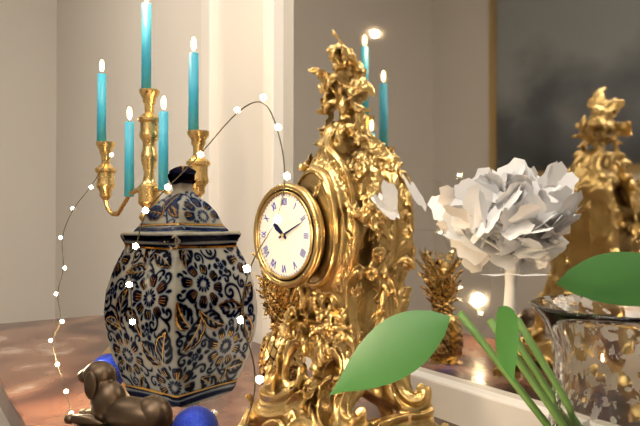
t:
**10:11**
